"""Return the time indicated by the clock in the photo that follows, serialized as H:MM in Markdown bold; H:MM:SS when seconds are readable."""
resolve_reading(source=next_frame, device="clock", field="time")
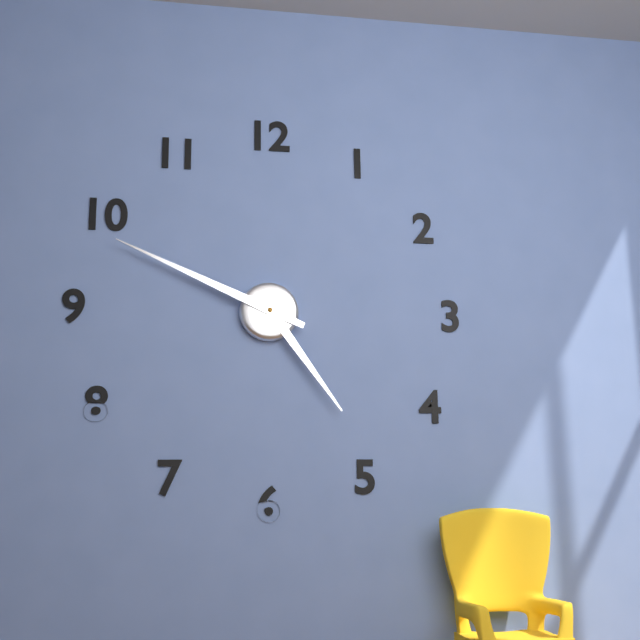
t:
**4:49**
